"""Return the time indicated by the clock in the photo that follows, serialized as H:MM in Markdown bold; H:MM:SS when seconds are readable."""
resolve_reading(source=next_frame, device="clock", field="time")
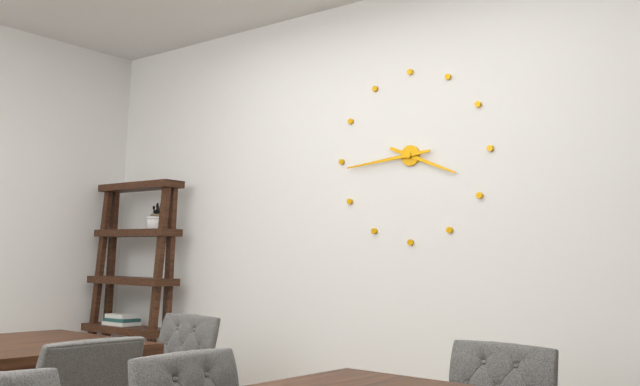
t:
**3:44**
